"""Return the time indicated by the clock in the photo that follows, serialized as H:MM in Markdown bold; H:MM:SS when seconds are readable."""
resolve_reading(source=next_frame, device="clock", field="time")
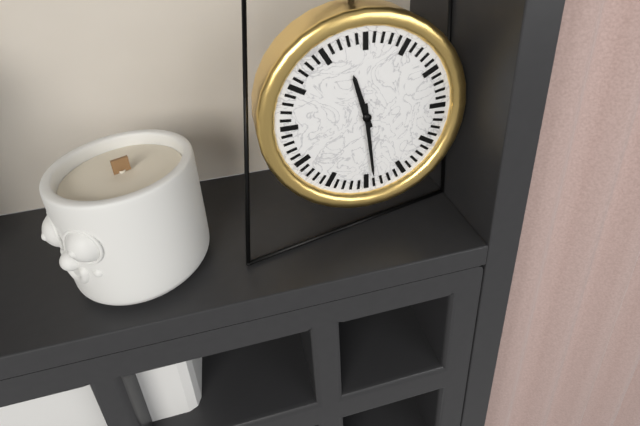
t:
**11:29**
